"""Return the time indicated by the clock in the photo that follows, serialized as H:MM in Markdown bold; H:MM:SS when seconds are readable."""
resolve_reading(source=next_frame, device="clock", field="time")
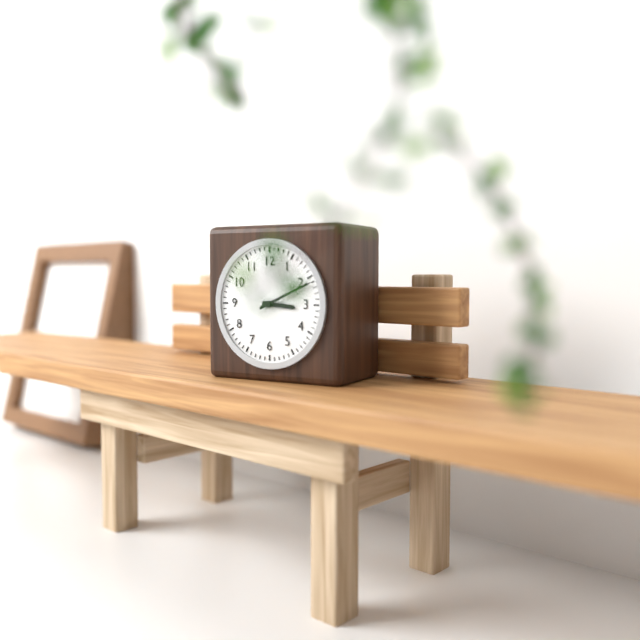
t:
**3:11**
